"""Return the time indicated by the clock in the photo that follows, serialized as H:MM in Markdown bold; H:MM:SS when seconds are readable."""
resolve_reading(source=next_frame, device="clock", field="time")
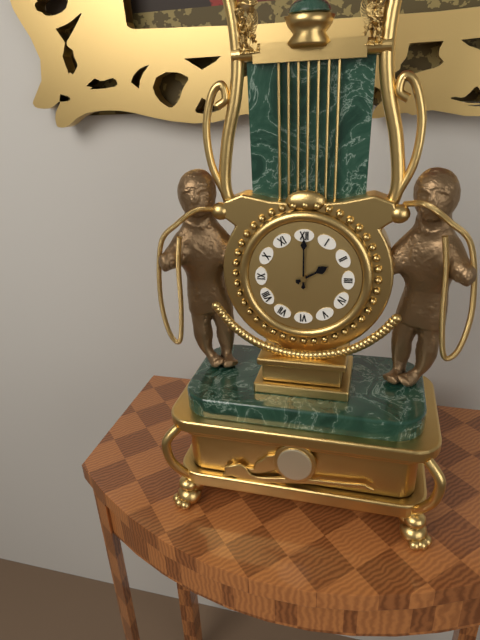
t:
**2:00**
